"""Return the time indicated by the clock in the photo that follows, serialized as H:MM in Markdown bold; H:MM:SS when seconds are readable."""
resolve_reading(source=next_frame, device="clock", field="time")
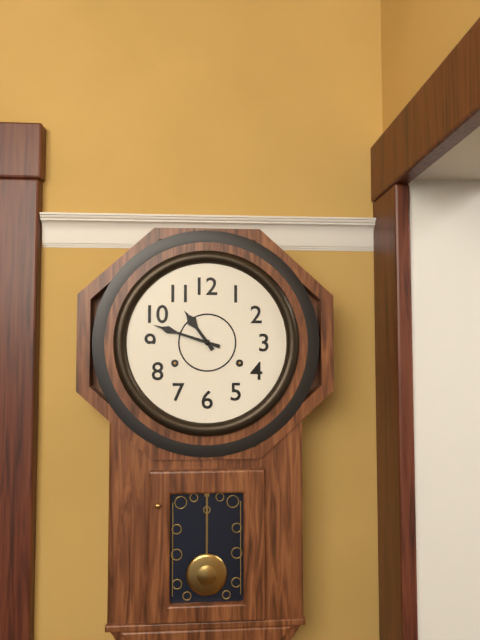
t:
**10:48**
